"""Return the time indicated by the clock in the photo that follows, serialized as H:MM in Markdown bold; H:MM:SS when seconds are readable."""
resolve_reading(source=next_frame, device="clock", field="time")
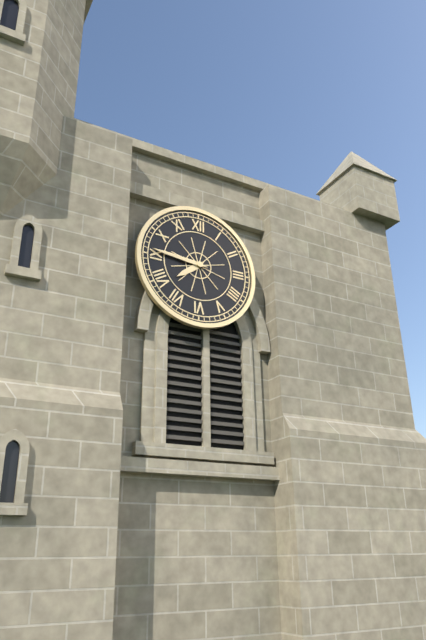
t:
**7:46**
